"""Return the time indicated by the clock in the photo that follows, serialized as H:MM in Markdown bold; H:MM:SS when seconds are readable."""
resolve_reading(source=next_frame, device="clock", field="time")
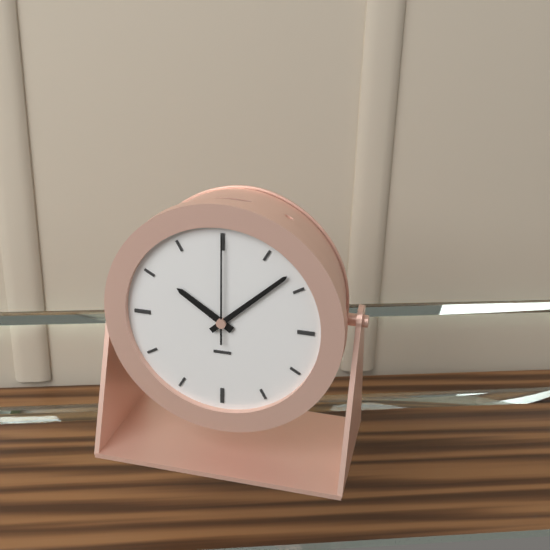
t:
**10:08:00**
